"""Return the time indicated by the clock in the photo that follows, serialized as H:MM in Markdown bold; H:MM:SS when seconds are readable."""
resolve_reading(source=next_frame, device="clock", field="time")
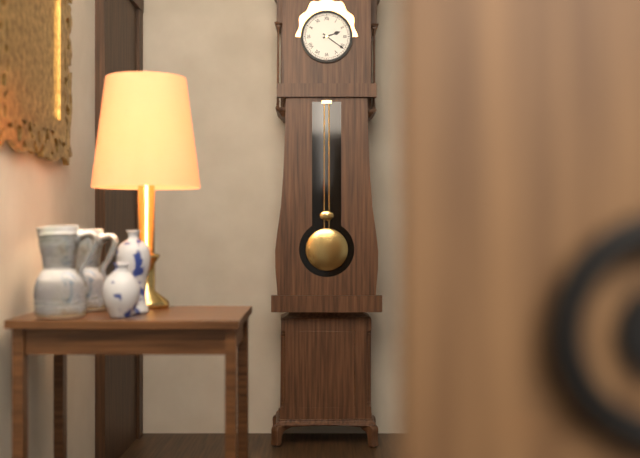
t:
**2:21**
